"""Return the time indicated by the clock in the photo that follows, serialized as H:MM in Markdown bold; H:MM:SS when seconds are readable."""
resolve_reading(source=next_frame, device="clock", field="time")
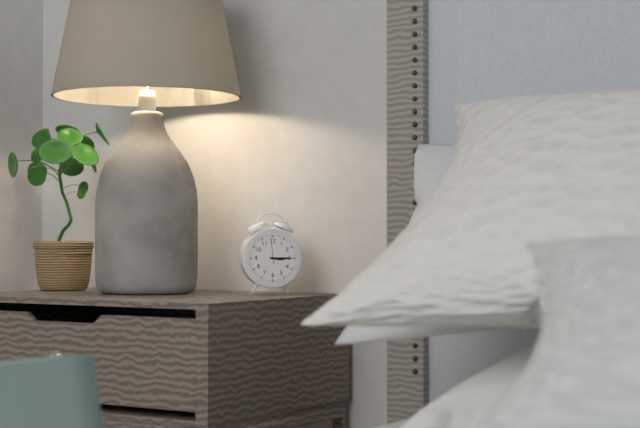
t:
**3:15**
